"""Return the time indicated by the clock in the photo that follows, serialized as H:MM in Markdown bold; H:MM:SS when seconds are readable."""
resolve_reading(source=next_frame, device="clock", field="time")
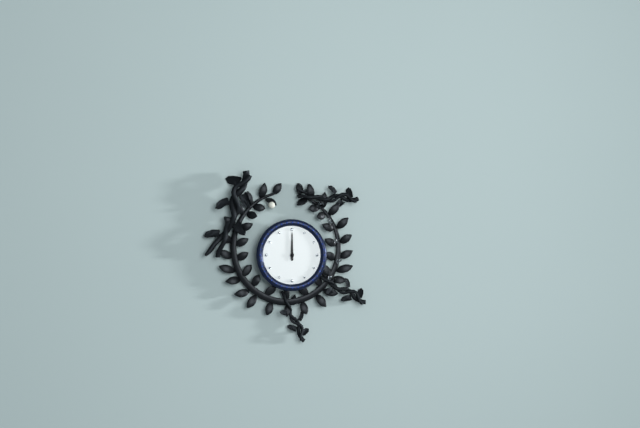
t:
**12:00**
